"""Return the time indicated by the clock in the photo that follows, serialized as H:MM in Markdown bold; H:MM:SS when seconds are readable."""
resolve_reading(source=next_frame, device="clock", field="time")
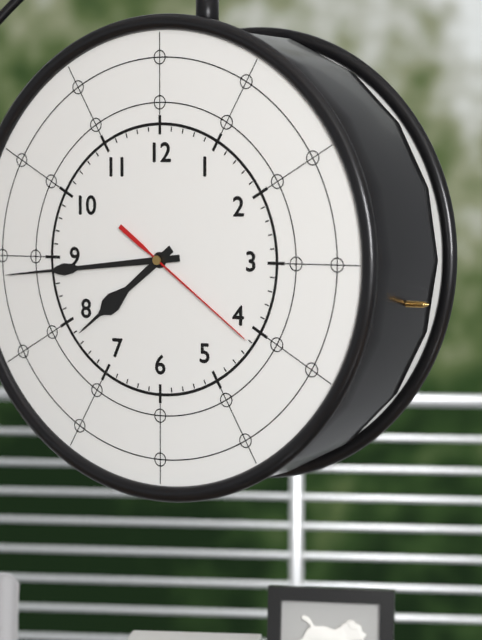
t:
**7:44:21**
